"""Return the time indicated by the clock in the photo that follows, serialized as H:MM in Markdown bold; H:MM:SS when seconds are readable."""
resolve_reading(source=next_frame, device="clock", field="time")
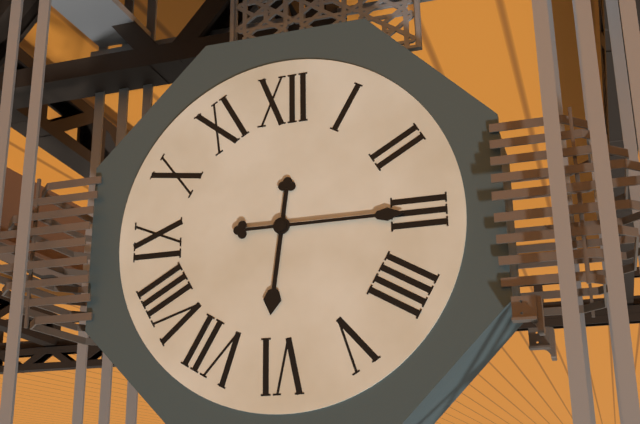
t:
**6:15**
